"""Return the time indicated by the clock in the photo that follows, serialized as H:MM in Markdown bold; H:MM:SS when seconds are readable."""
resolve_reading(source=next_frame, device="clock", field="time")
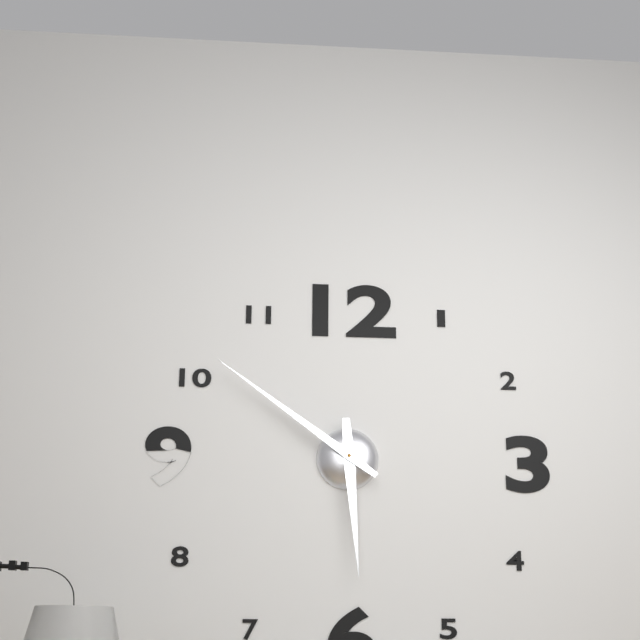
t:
**5:51**
